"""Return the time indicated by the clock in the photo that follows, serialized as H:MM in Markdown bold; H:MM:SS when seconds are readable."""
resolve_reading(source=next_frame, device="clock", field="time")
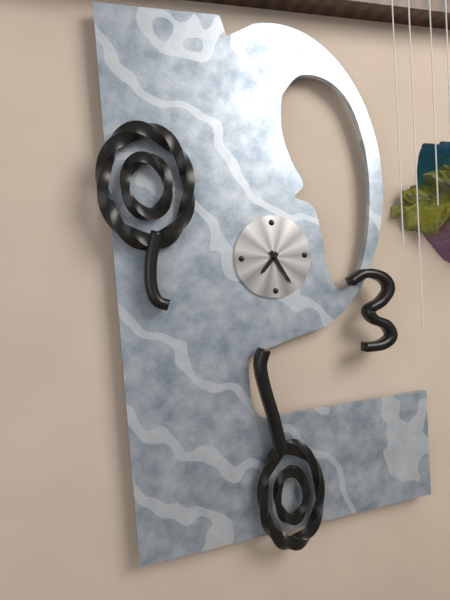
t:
**7:25**
